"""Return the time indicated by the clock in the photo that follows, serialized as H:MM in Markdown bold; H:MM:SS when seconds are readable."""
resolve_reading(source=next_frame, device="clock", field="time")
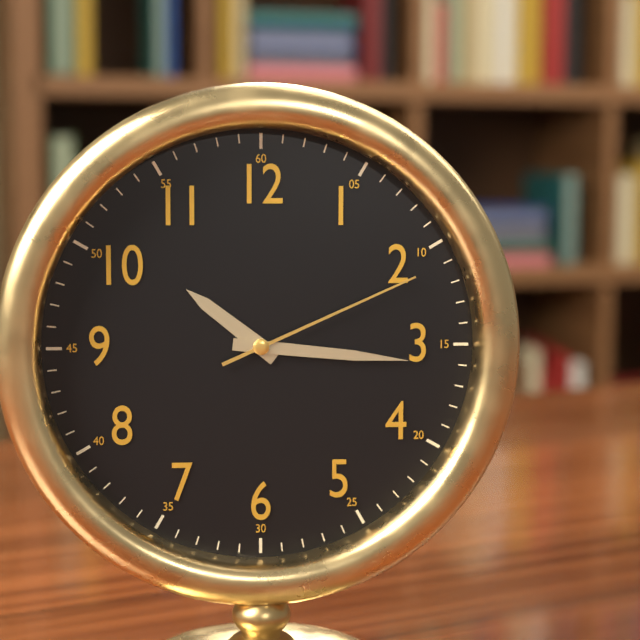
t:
**10:16:11**
